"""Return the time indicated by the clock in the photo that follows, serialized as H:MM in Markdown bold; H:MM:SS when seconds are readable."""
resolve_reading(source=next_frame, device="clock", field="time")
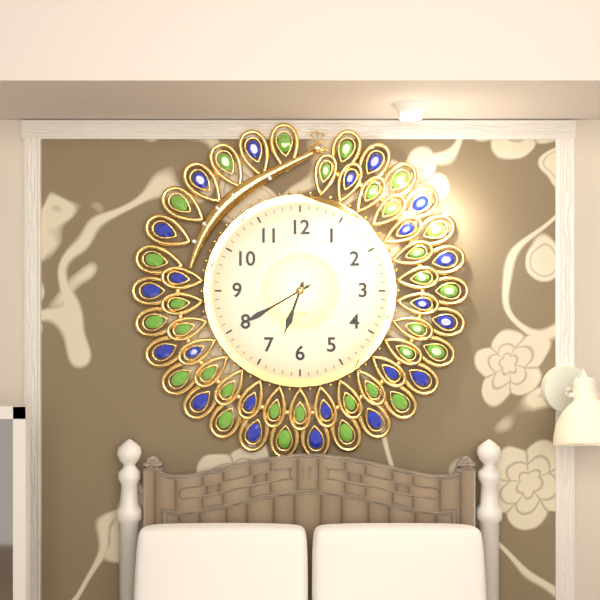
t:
**6:40**
